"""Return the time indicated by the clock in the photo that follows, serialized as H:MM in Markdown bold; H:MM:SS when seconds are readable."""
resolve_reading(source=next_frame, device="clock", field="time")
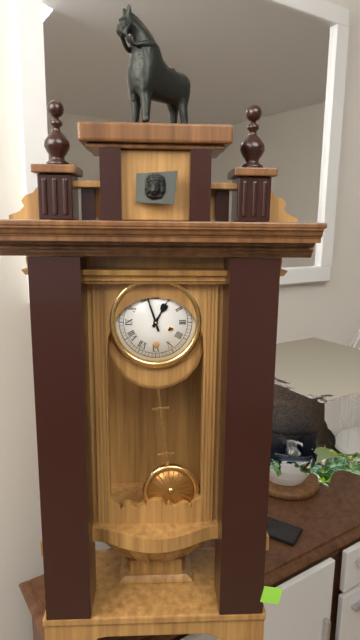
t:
**12:57**
